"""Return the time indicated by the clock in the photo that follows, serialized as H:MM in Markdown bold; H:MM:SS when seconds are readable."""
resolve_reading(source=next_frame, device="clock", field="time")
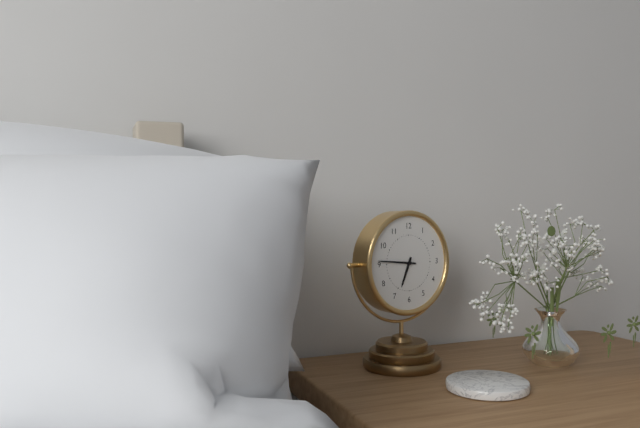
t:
**6:46**
